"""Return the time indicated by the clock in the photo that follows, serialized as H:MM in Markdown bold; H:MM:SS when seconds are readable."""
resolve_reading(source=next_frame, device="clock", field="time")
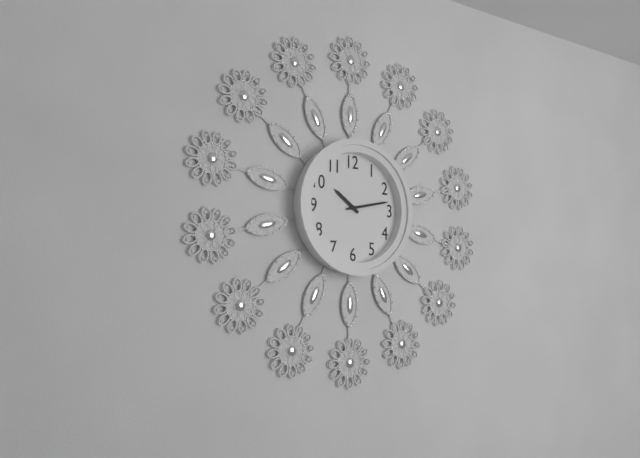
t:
**10:13**
